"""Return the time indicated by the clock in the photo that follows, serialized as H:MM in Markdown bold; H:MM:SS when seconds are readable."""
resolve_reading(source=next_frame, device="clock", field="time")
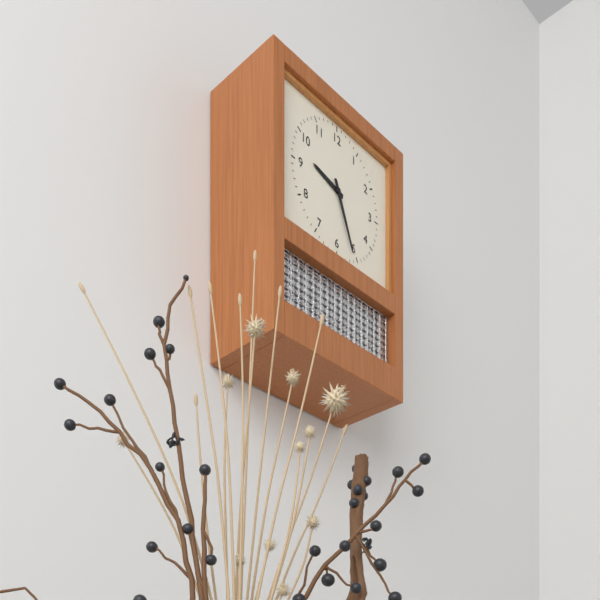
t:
**9:26**
